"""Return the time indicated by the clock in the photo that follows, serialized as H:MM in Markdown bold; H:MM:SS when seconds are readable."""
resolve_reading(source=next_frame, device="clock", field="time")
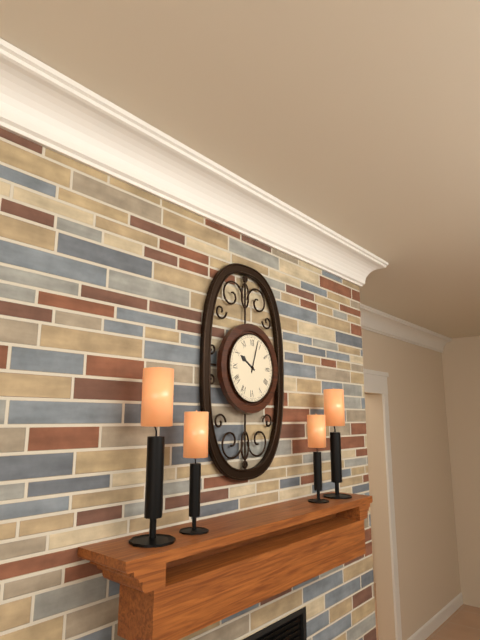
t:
**10:03**
